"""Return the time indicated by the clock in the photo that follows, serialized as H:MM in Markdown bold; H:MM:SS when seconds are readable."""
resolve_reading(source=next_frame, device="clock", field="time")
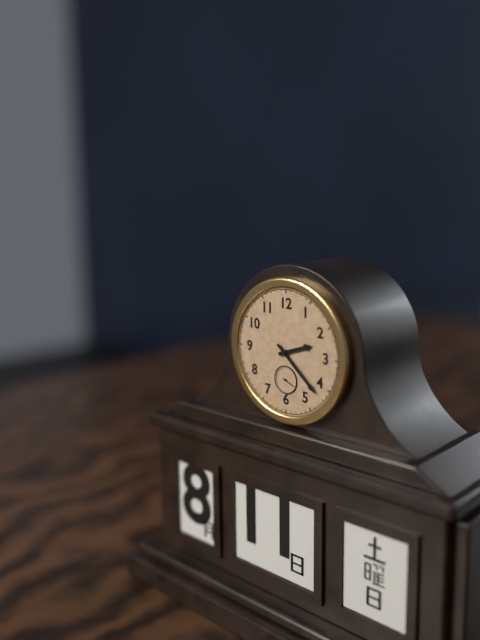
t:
**2:22**
